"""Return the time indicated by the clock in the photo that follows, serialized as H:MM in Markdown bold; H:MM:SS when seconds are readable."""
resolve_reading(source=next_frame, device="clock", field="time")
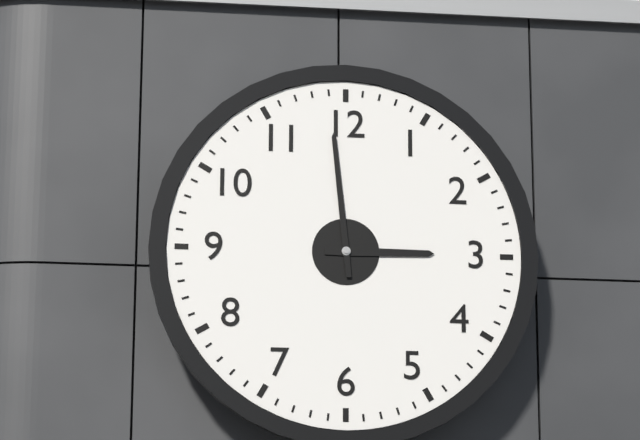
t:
**2:59**
